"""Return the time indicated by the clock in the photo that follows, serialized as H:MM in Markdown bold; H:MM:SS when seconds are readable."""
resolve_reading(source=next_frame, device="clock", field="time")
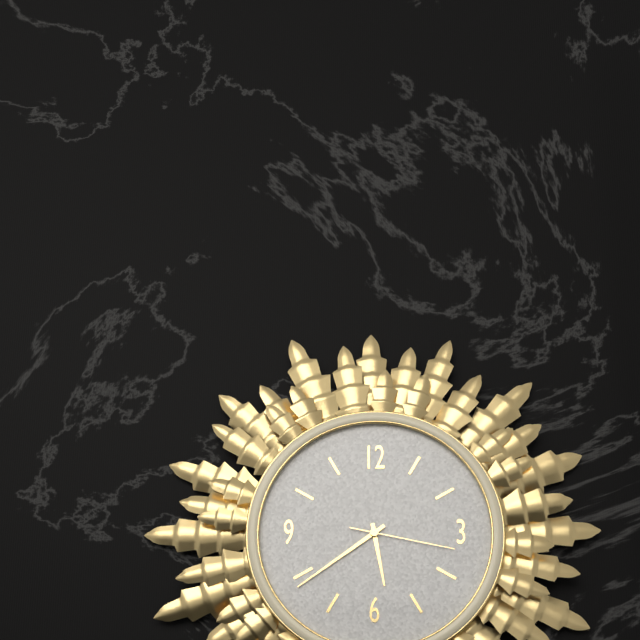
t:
**5:39:17**
